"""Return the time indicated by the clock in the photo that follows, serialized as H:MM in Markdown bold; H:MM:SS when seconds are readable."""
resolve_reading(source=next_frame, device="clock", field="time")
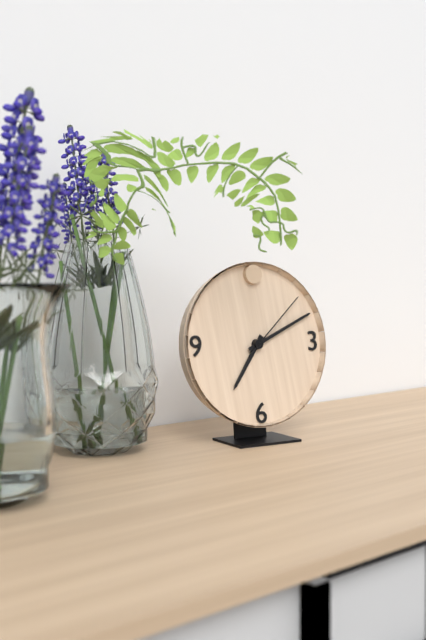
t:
**7:11:08**
